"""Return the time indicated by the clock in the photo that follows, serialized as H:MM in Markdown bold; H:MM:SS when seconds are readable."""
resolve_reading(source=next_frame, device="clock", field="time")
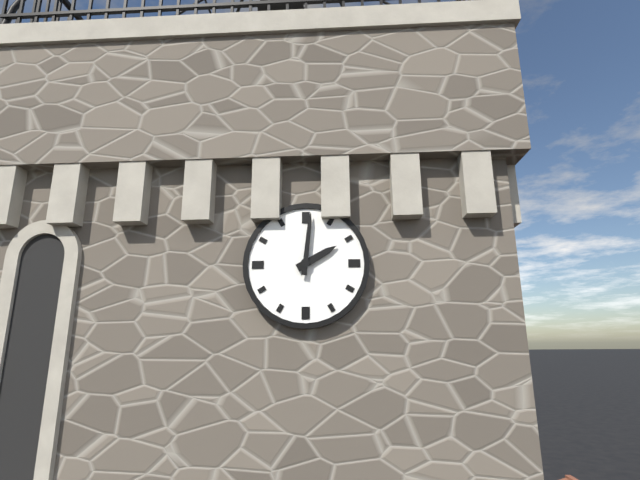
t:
**2:01**
